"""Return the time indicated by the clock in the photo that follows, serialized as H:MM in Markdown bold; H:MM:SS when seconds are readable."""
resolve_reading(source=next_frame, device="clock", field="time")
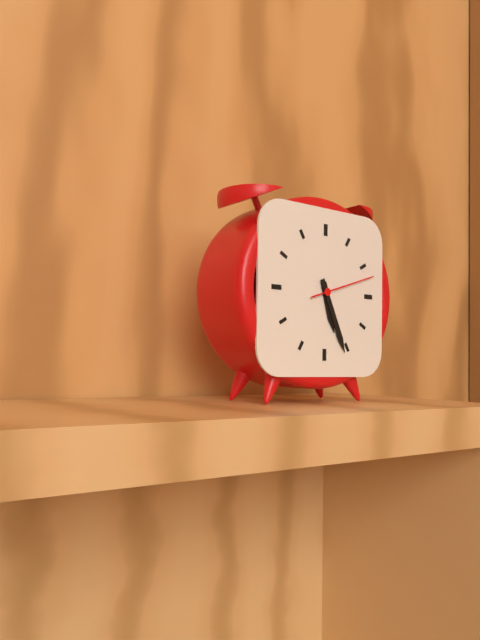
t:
**5:26:12**
